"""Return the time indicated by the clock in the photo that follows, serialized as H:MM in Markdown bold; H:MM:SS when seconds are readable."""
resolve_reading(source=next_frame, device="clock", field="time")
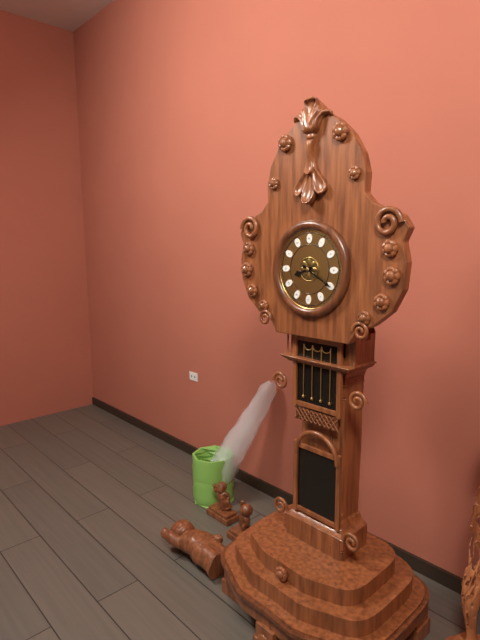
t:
**8:20**
